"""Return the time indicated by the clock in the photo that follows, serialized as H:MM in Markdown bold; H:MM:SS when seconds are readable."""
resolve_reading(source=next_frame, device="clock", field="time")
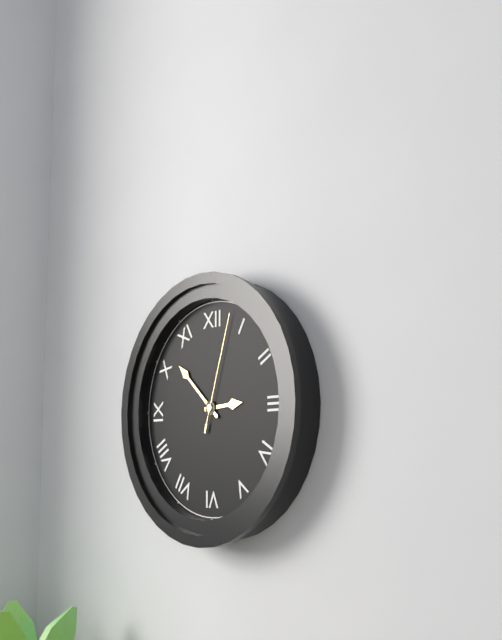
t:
**2:52:03**
